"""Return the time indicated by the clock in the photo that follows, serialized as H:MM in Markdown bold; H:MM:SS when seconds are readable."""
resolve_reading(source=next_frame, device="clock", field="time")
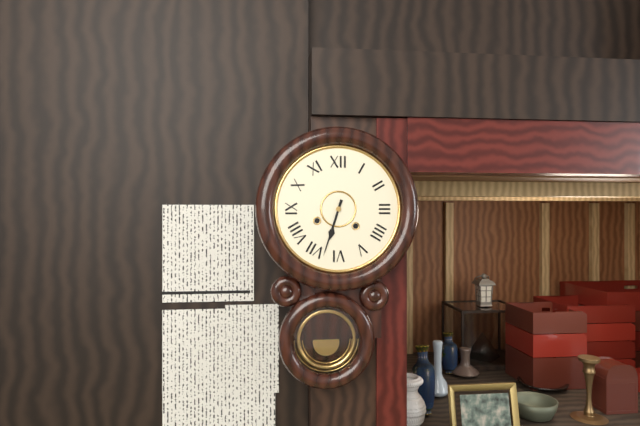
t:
**6:33**
